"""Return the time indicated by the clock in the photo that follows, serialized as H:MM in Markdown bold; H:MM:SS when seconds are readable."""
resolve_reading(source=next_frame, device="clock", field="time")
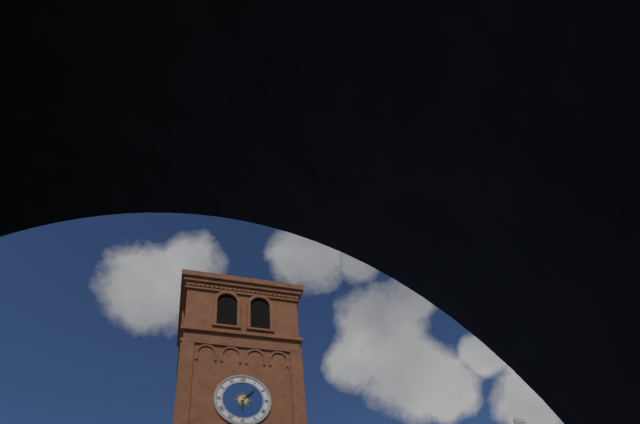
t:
**6:07**
